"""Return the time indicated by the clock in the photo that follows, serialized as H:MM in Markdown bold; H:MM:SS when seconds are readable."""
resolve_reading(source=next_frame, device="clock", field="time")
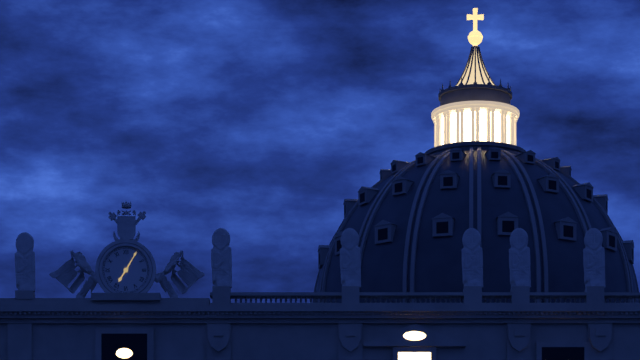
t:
**7:05**
